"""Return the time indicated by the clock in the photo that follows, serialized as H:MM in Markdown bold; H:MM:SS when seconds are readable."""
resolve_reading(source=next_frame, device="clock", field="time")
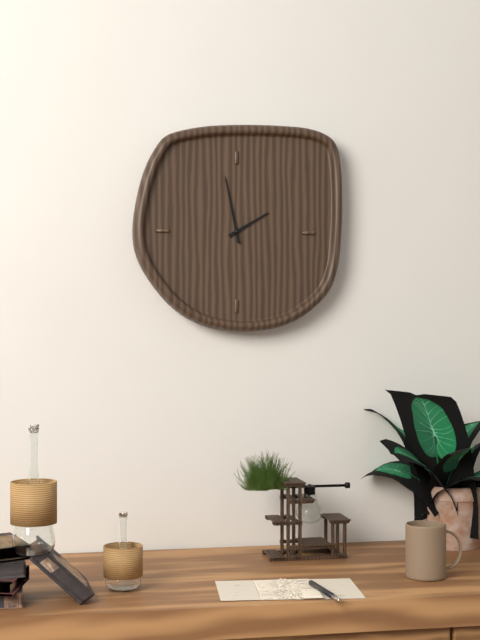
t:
**1:58**
